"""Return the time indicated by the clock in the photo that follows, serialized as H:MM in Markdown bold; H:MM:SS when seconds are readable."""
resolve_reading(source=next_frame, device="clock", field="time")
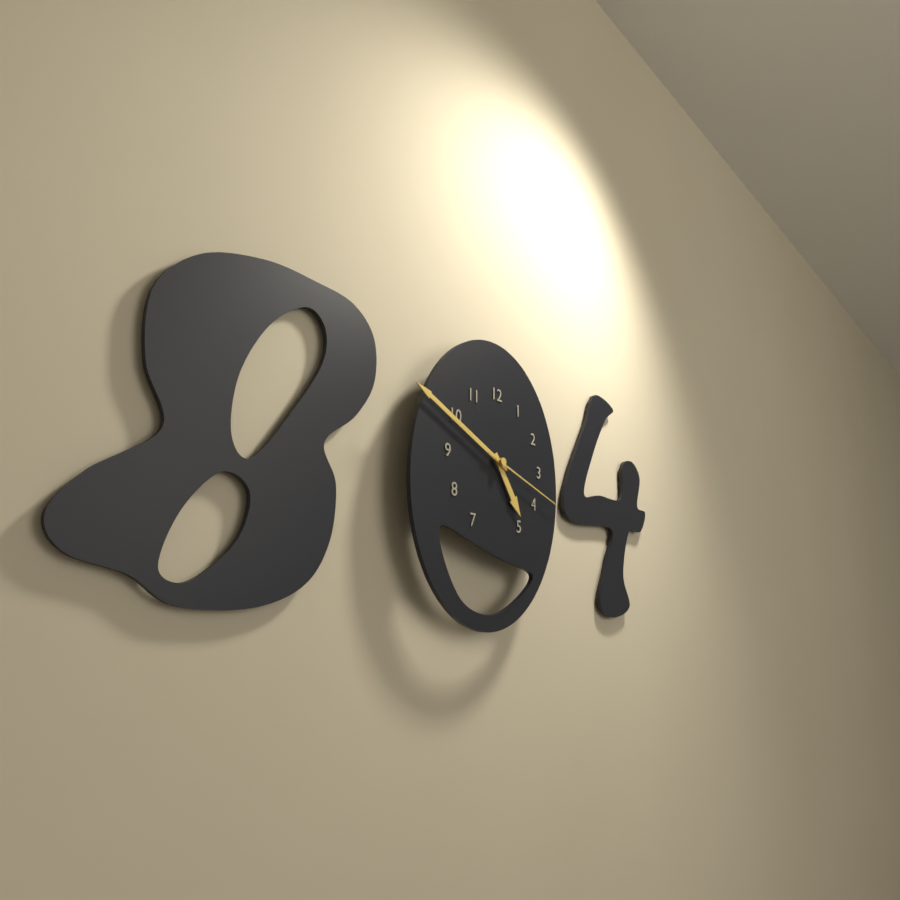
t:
**4:49:18**
